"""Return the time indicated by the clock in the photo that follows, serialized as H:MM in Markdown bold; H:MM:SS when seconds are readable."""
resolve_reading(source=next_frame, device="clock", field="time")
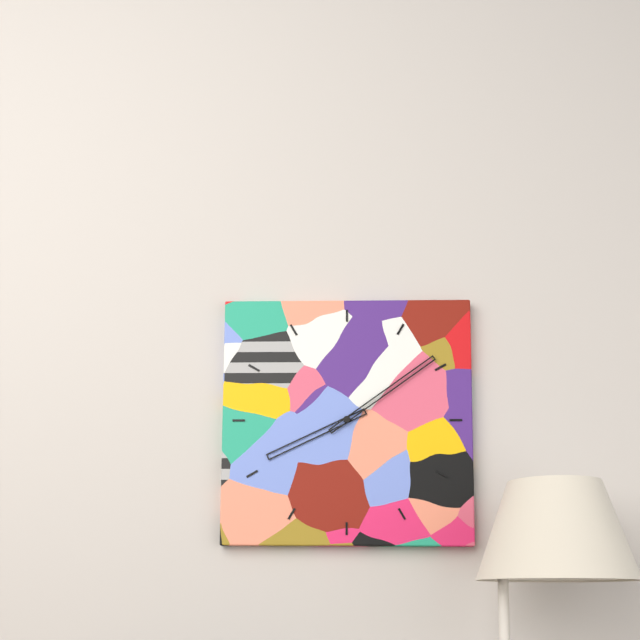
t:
**8:09**
